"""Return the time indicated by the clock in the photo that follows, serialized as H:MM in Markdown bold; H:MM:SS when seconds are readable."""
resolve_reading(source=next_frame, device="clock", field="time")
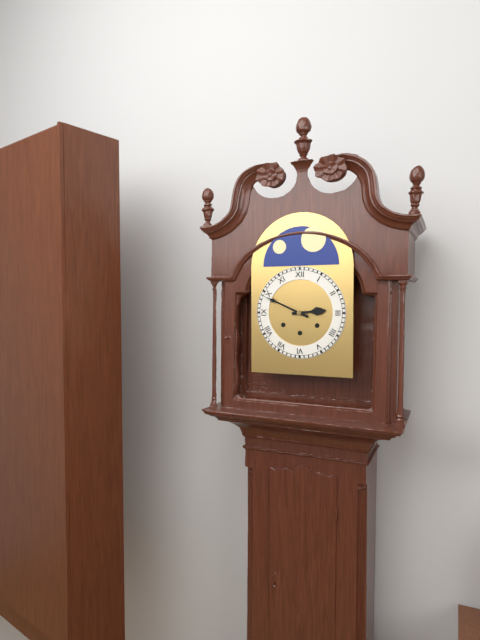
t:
**2:49**
